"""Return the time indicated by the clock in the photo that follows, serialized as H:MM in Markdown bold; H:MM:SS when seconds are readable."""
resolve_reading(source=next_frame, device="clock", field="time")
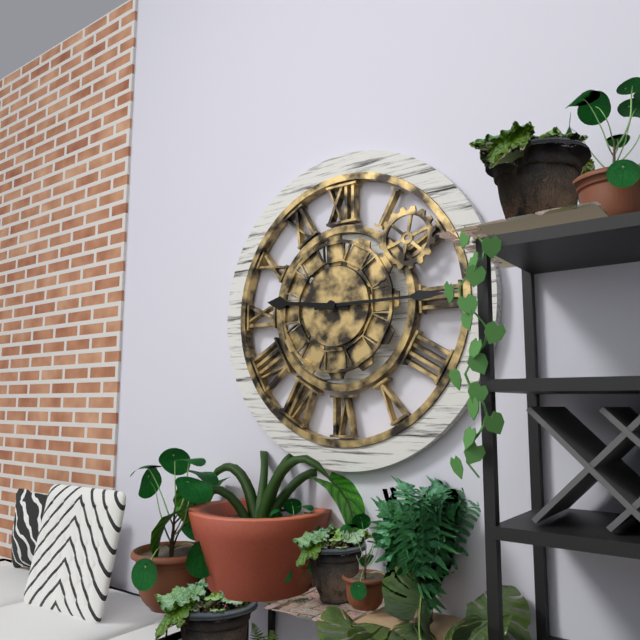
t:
**9:15**
